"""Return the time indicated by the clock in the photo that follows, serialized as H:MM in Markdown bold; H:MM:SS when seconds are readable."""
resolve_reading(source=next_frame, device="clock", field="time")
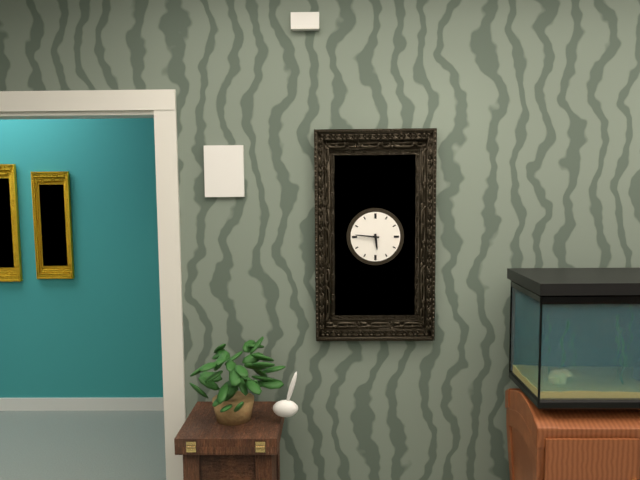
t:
**5:46**
